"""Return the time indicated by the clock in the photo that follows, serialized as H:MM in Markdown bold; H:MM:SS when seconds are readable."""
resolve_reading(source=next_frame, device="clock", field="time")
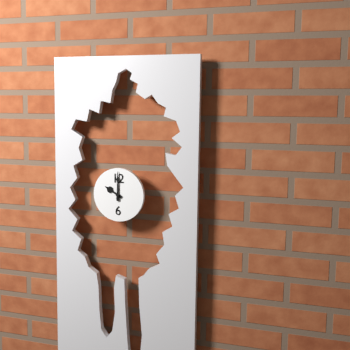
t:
**10:00**
